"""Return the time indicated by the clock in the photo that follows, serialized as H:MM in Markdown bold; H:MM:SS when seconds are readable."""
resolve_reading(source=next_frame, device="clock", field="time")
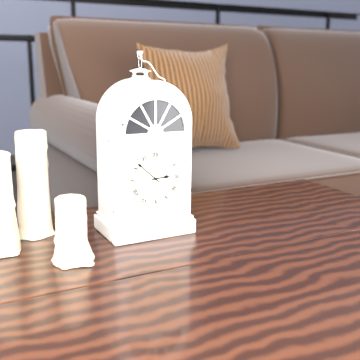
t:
**2:52**
